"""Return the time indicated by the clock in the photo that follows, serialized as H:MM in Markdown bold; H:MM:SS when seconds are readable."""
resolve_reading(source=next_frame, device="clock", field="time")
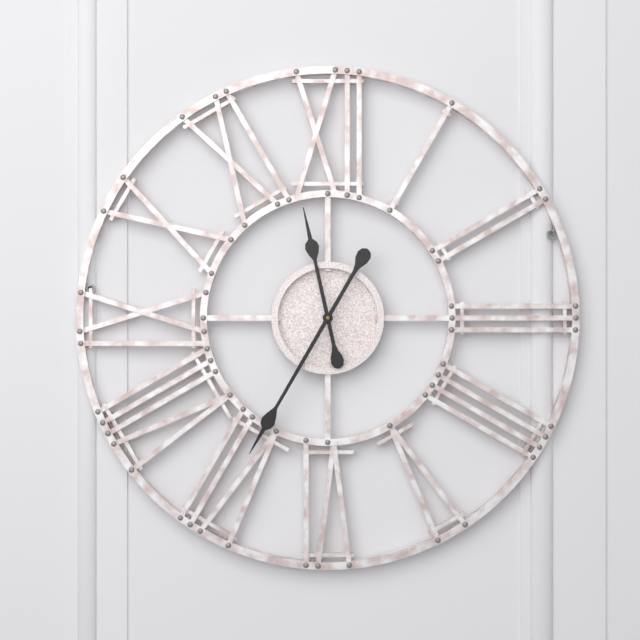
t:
**11:35**
